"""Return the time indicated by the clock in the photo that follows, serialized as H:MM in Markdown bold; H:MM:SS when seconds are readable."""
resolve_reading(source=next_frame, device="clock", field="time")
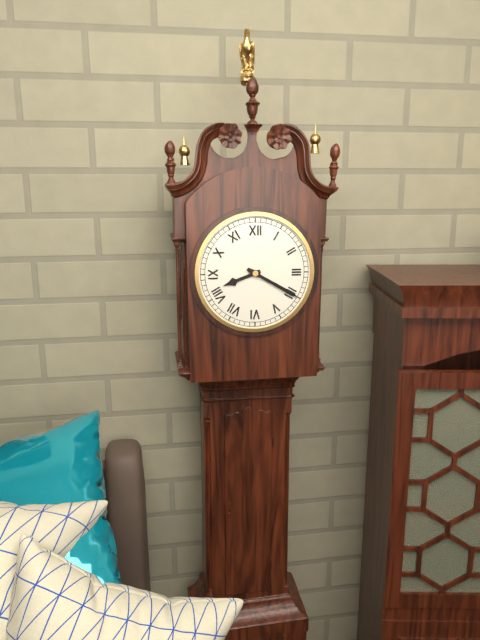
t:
**8:20**
